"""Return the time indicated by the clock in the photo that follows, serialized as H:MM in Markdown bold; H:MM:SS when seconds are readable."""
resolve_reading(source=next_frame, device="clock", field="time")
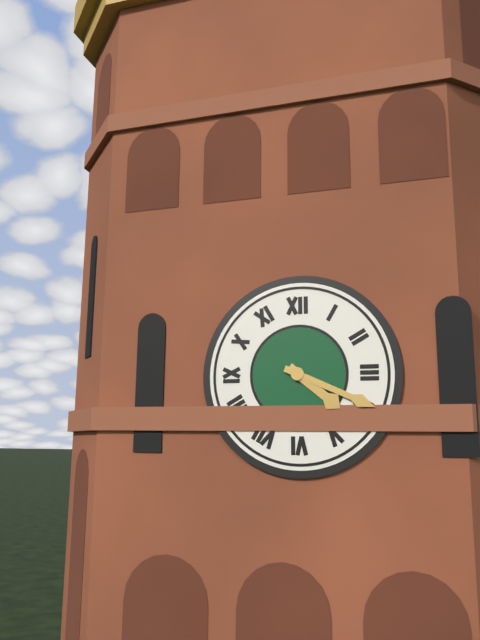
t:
**4:19**
